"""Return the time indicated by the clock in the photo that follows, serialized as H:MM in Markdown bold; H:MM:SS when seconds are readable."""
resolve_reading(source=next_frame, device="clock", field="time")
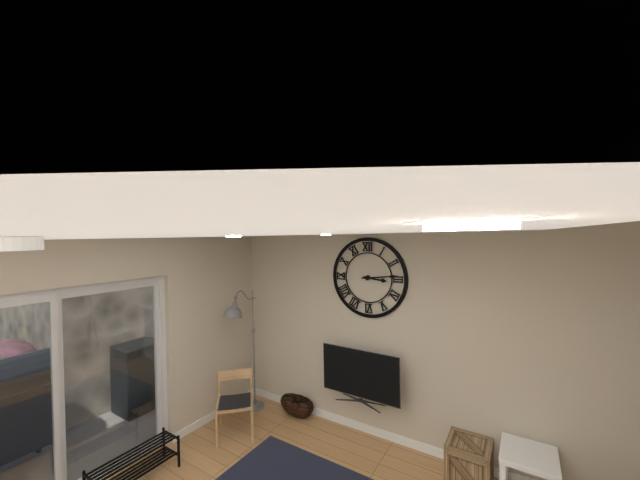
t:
**3:14**
